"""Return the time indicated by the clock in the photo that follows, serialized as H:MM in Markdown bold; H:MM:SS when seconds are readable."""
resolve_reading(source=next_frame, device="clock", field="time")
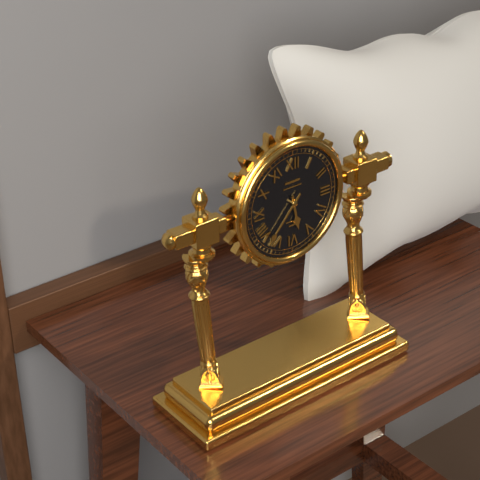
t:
**5:37**
